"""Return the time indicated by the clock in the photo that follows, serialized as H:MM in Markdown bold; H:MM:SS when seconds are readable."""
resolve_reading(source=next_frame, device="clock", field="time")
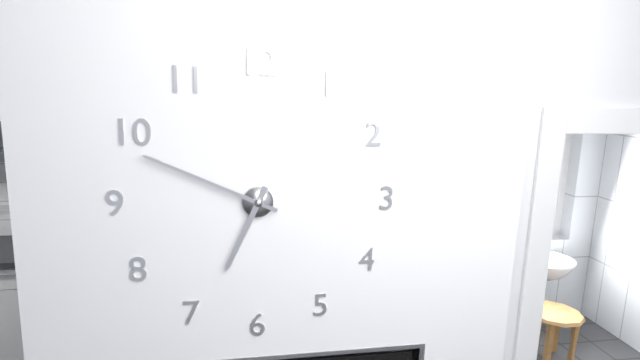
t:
**6:49**
